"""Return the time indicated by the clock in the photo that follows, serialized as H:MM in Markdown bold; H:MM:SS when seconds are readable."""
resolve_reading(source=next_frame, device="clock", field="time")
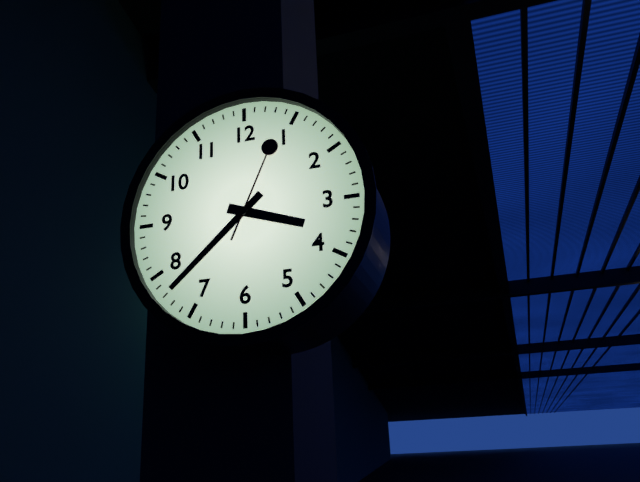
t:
**3:38:04**
